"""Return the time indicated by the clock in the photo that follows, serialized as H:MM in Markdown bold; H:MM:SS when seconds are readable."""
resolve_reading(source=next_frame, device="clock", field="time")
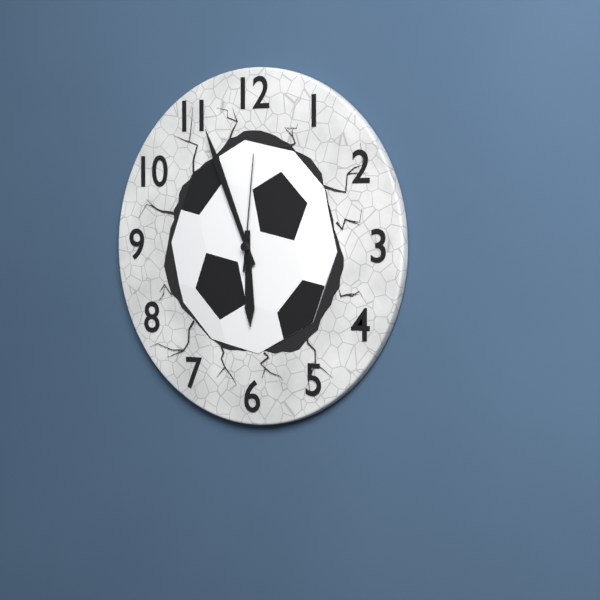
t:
**5:56:01**
